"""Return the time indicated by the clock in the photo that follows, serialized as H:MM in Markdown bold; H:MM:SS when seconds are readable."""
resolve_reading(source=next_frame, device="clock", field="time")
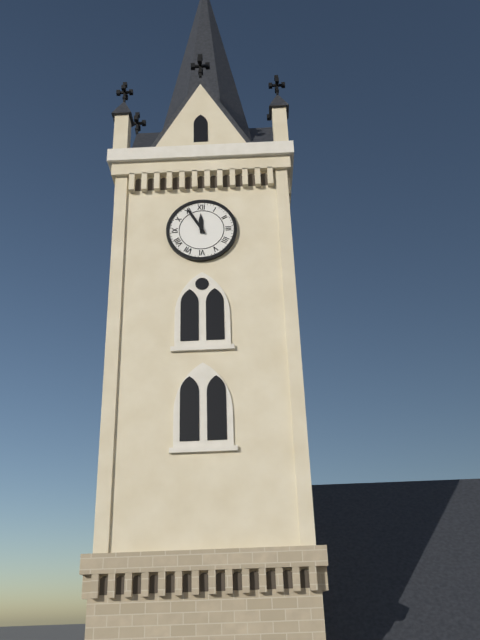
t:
**11:55**
